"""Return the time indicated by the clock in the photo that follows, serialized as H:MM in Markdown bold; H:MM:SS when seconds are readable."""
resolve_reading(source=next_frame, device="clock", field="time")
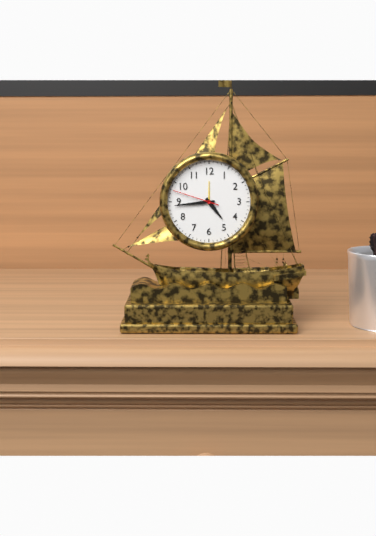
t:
**4:44**
